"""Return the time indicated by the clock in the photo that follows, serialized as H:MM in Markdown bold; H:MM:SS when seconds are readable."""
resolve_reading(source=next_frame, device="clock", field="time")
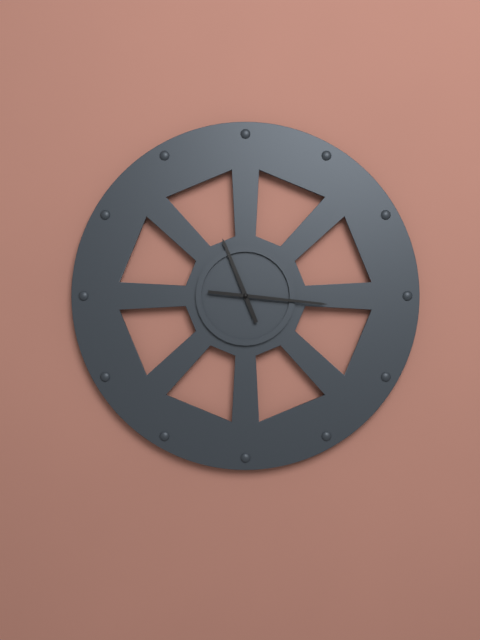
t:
**11:16**
